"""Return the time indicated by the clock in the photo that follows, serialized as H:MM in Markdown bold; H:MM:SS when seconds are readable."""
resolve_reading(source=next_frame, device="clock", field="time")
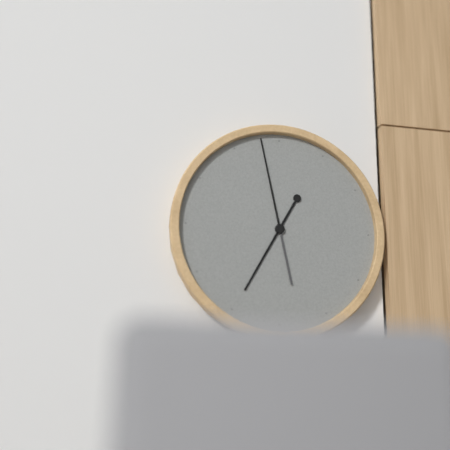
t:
**6:58**
